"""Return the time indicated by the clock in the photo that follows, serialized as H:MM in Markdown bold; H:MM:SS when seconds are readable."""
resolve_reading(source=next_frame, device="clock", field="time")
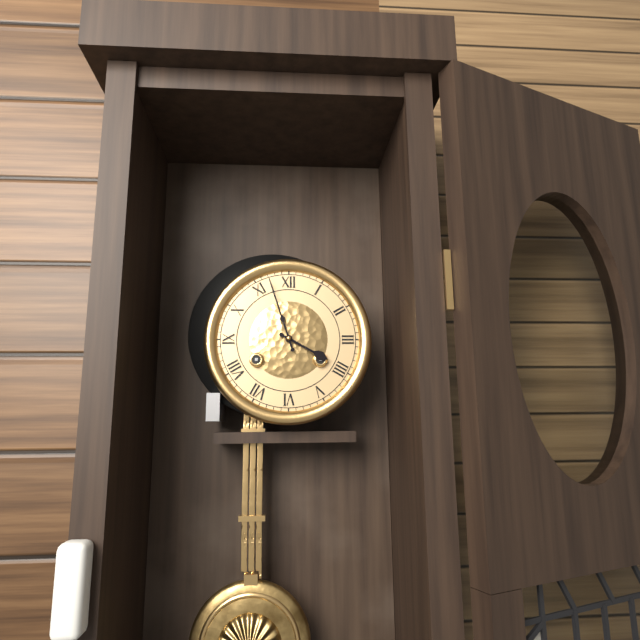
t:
**3:57**
